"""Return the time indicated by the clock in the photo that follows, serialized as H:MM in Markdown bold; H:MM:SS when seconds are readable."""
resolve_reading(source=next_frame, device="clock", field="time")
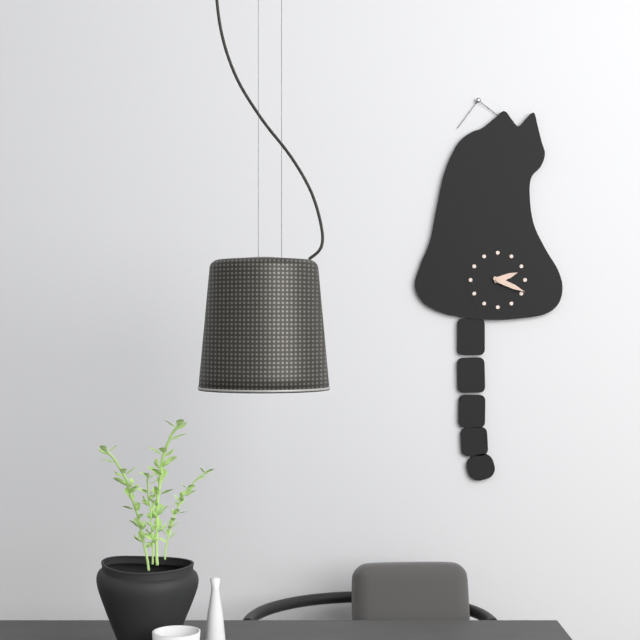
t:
**2:19**
